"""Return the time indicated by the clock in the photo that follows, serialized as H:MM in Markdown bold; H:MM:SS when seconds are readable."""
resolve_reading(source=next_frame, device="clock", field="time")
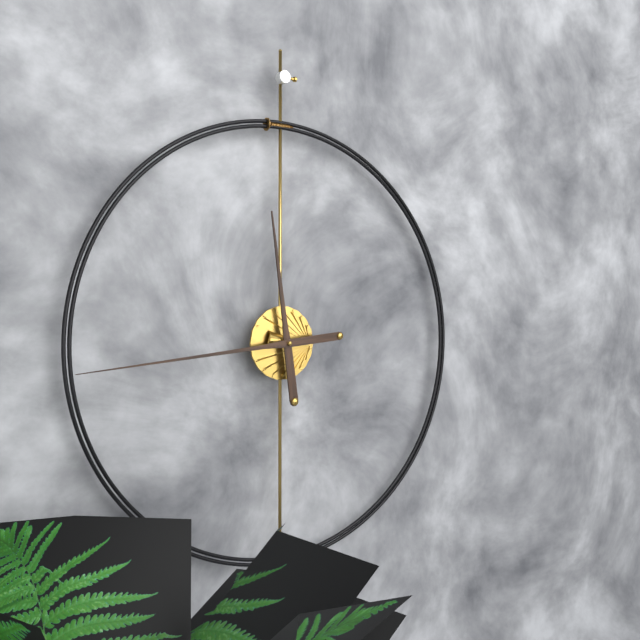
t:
**11:44**
